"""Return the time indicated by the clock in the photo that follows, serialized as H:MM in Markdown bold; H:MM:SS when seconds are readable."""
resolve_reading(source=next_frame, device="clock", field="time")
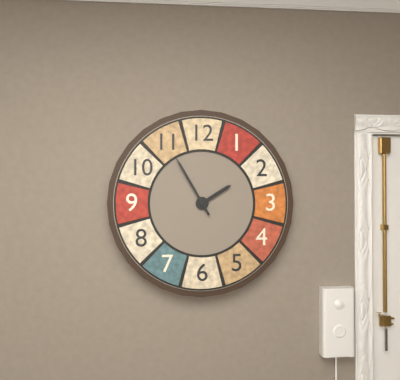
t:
**1:55**
